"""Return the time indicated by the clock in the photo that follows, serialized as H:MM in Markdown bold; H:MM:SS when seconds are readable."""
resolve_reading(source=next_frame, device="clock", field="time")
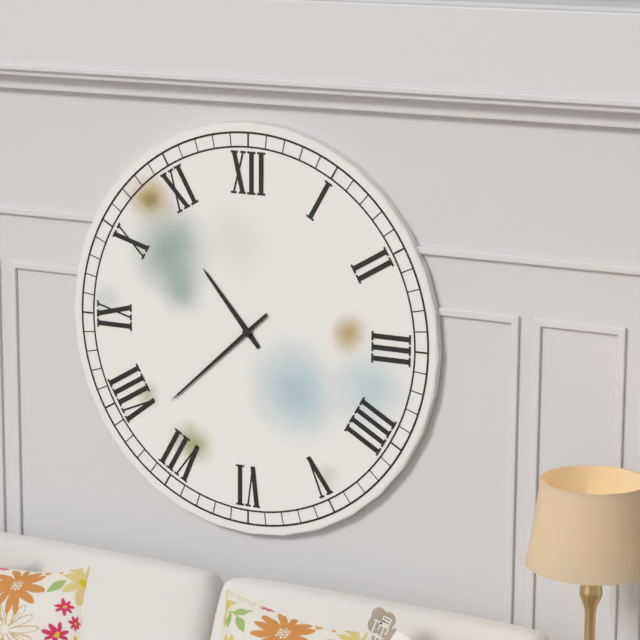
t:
**10:38**
